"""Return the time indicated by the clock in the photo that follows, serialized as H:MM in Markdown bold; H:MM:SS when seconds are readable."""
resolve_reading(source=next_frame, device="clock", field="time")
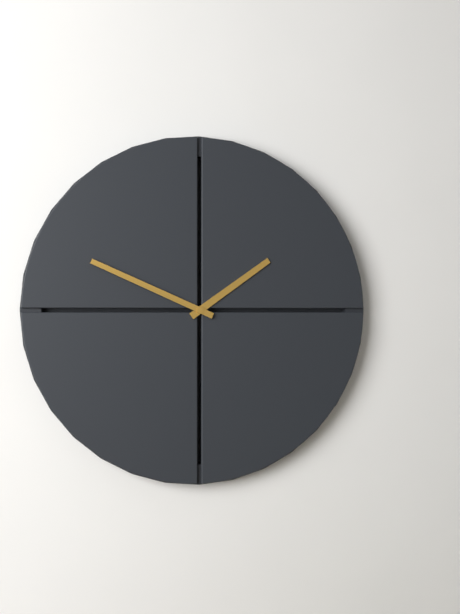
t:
**1:49**
